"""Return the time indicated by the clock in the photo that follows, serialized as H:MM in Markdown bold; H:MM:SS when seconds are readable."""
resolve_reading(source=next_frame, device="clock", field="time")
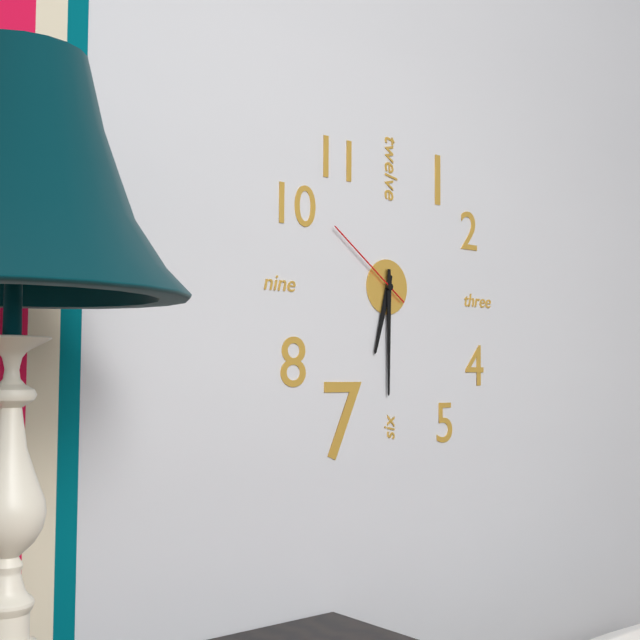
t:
**6:30:51**
